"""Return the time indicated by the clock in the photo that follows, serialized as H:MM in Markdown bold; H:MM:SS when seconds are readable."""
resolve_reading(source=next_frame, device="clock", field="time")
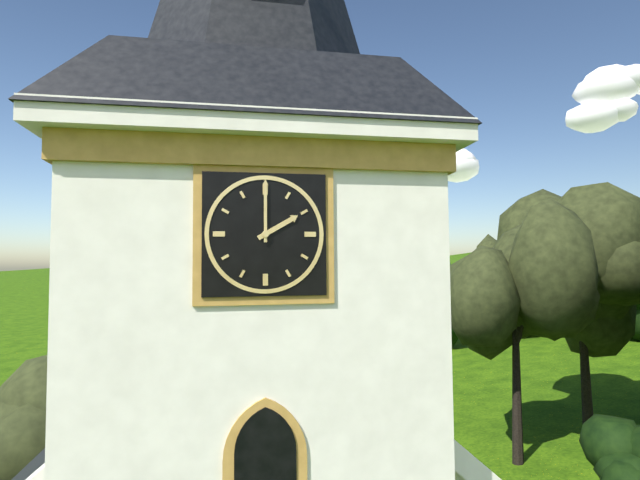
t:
**2:00**
